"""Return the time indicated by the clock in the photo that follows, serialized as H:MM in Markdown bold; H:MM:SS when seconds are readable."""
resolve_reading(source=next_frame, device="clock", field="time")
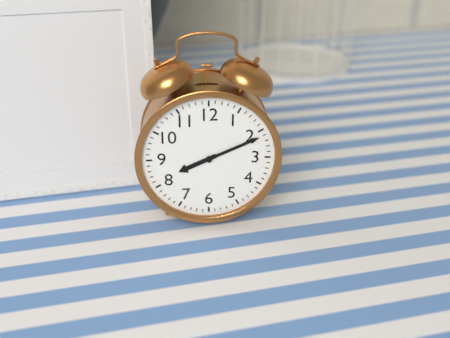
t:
**8:11**
